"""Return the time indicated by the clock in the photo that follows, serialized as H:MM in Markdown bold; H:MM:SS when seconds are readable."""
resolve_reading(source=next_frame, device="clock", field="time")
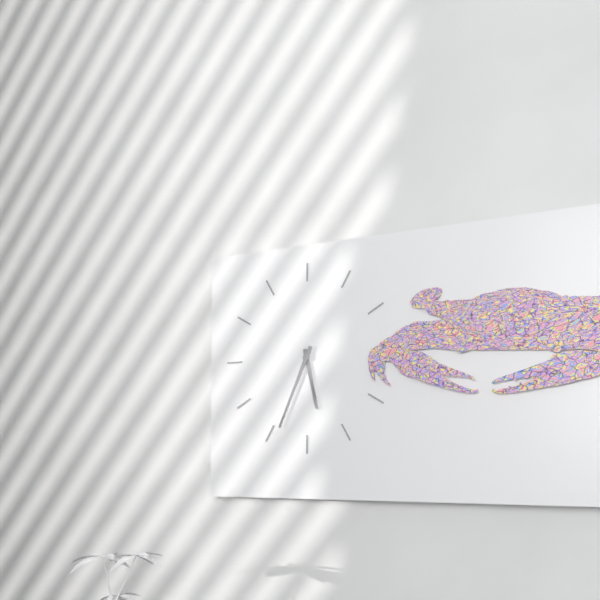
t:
**5:34**
